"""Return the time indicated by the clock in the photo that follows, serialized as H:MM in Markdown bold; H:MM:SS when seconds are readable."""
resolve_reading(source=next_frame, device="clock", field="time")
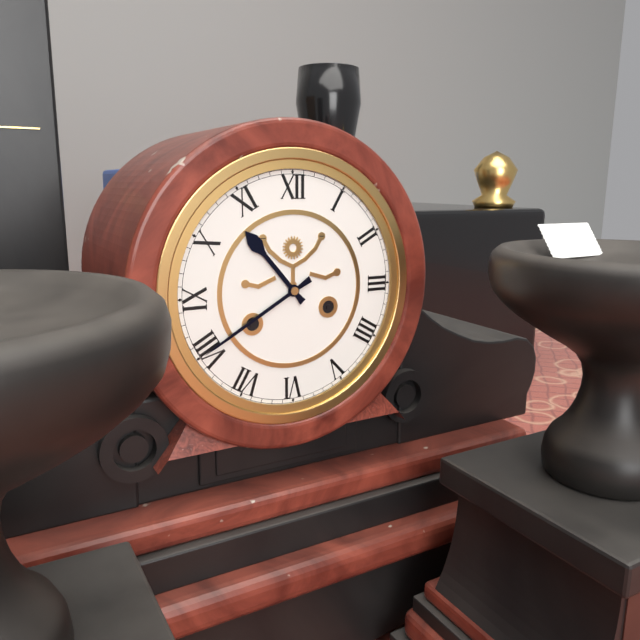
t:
**10:40**
